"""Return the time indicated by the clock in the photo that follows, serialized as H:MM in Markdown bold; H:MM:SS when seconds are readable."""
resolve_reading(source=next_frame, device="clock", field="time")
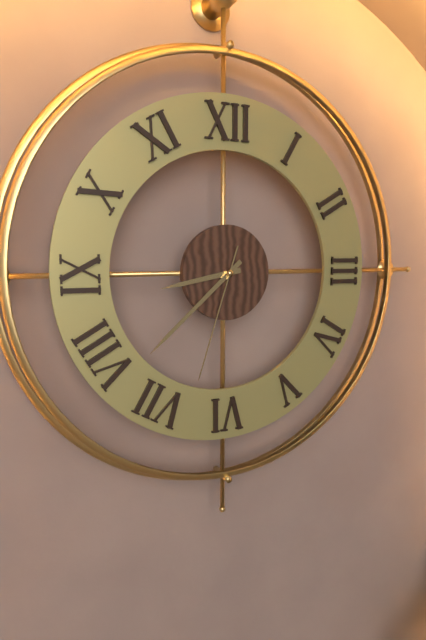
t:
**8:38:33**
